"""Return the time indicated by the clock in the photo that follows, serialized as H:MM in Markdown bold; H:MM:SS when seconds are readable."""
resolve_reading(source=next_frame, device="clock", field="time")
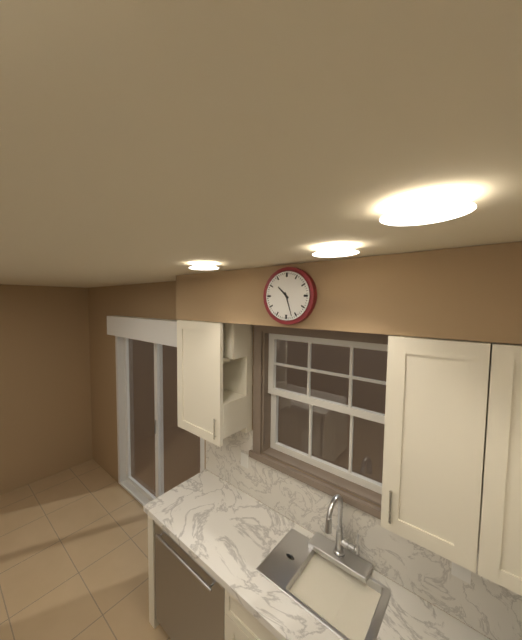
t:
**10:27**
